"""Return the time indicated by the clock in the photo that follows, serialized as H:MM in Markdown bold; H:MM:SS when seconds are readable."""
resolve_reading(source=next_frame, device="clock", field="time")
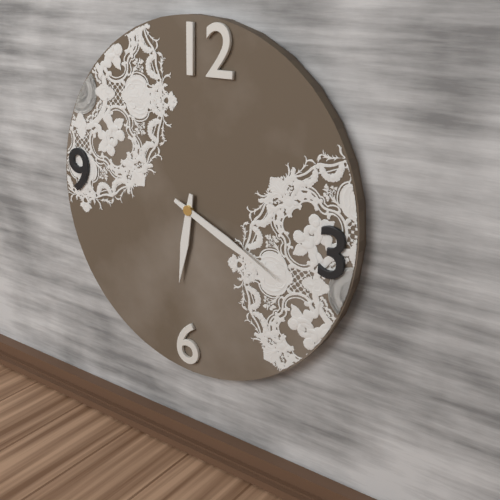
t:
**6:19**
